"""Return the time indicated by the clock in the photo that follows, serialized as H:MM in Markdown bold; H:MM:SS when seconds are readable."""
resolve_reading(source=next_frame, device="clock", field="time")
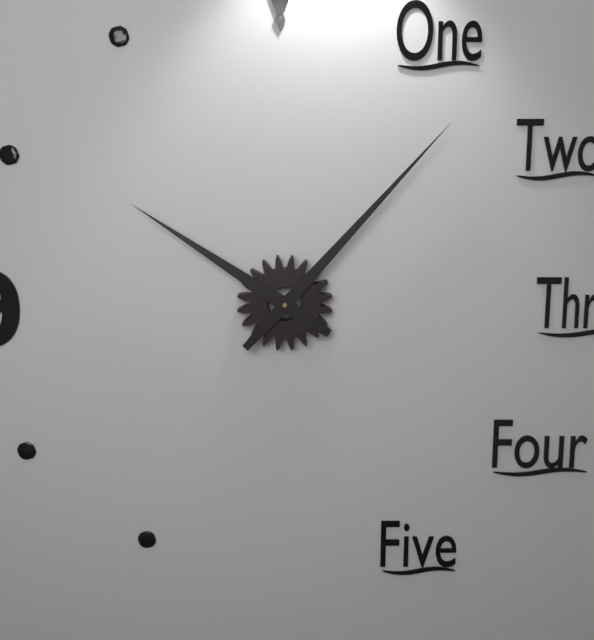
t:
**10:07**
